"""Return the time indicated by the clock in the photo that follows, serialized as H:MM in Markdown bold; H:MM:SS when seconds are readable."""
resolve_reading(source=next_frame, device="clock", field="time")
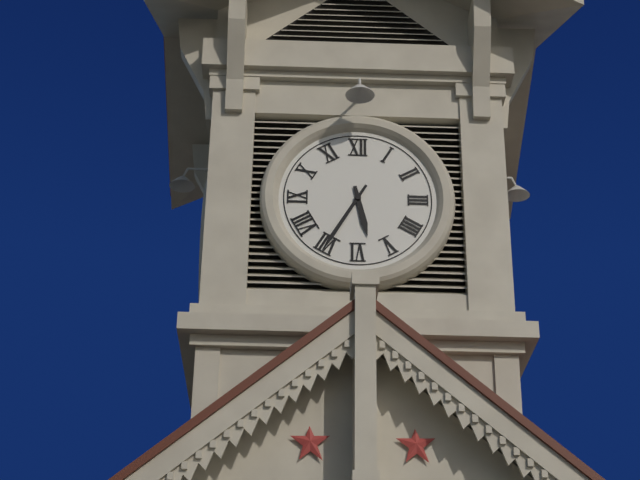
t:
**5:35**
